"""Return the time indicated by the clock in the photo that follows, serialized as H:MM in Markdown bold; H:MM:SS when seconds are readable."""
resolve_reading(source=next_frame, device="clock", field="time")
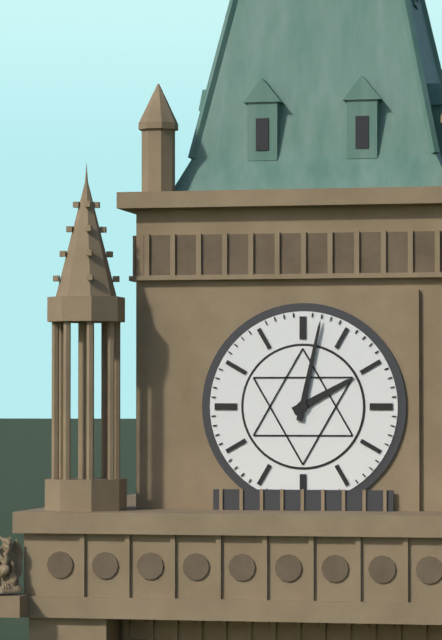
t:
**2:02**
